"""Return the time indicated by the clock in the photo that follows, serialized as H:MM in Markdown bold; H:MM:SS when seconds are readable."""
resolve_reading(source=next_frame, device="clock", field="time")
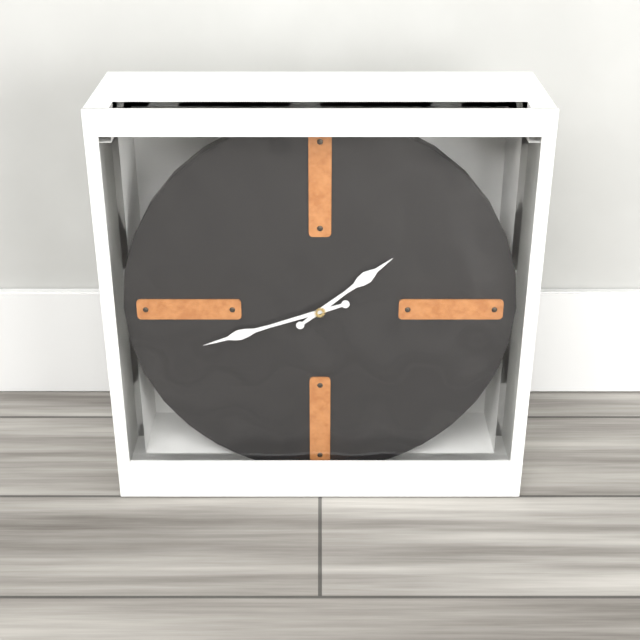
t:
**1:42**
